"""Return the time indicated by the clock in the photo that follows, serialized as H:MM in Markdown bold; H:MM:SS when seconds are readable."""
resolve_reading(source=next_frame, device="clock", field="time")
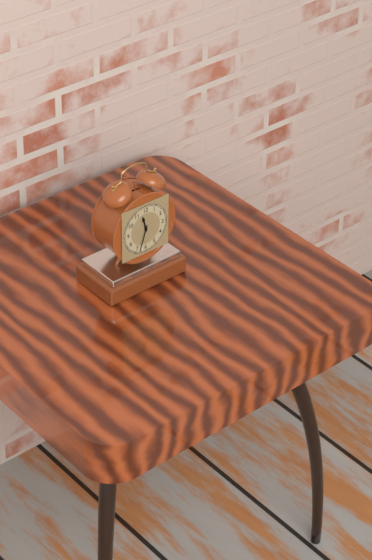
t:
**11:33**
